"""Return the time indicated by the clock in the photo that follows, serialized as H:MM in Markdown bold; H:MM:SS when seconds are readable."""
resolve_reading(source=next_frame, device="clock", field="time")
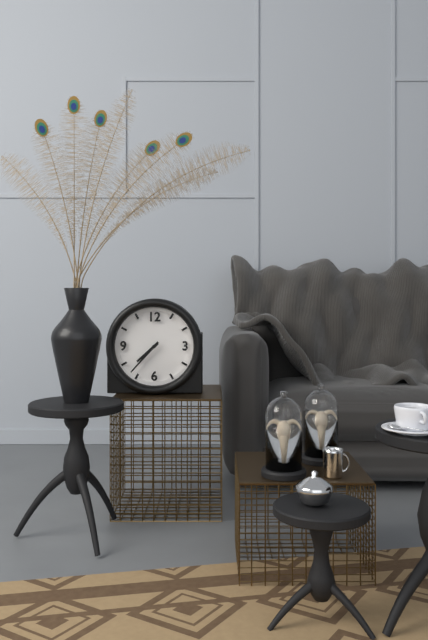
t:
**7:37**
